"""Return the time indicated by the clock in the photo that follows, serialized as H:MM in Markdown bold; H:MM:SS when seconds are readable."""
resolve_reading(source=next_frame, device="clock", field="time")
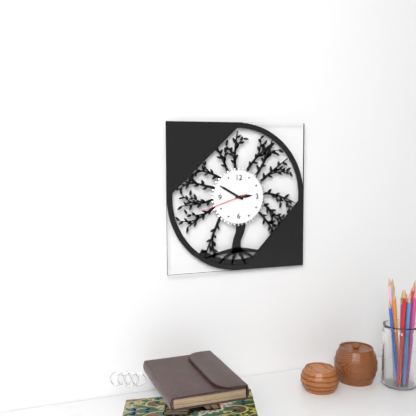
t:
**2:50**
